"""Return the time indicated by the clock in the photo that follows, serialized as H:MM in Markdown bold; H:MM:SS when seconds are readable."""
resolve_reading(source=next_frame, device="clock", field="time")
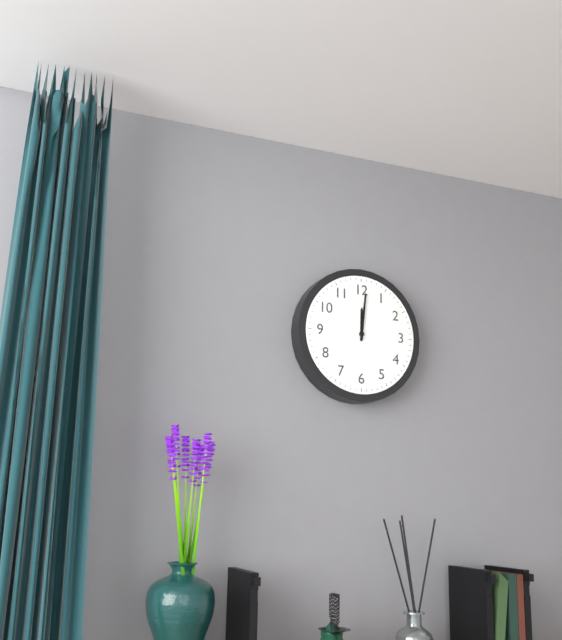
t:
**12:01**
